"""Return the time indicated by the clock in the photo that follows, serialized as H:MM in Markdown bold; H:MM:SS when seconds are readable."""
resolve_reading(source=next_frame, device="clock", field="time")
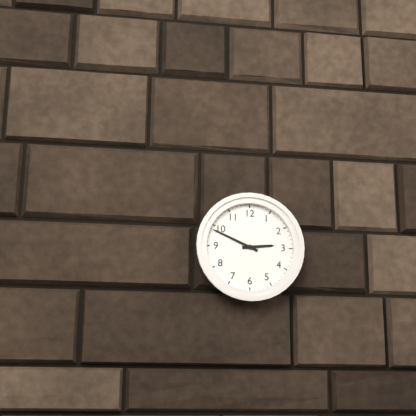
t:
**2:49**
